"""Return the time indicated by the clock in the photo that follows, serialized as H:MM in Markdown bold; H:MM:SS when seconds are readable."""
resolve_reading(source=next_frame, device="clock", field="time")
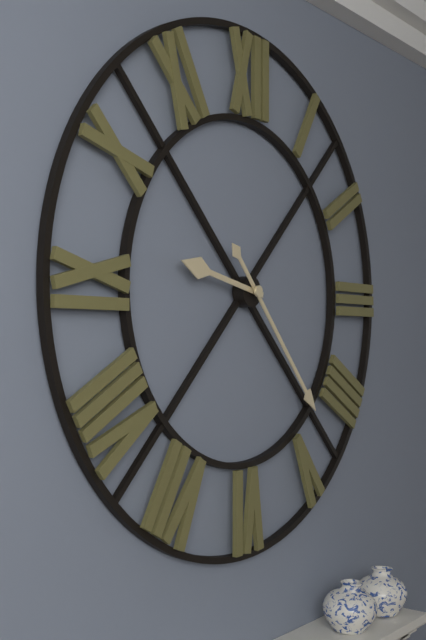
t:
**9:23**
